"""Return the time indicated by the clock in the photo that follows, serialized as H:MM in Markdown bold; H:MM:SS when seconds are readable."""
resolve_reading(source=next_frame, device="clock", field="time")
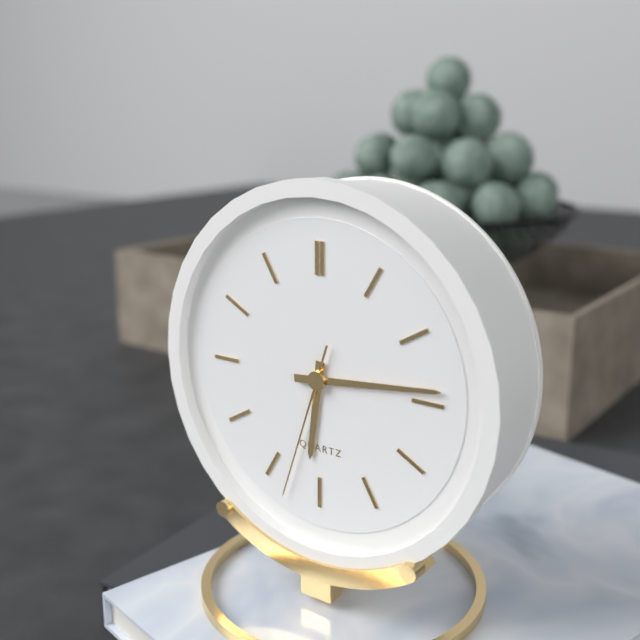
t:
**6:14:33**
